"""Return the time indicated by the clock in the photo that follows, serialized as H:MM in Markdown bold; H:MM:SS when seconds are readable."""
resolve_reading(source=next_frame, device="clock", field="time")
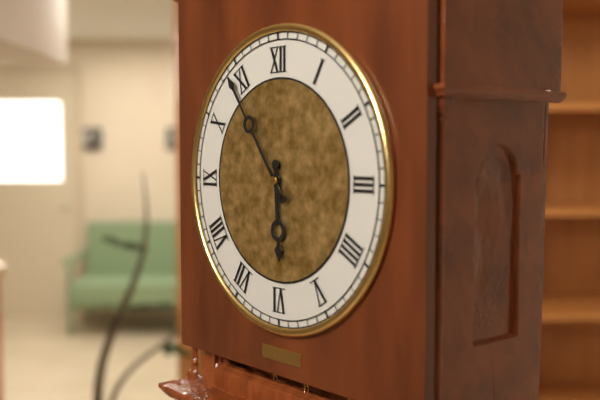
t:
**5:54**
